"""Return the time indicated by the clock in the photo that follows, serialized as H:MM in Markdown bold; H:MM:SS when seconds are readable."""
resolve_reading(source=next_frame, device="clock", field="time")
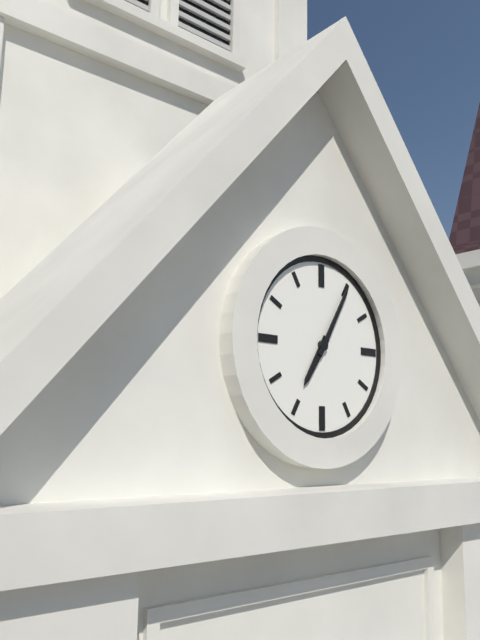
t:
**7:05**
